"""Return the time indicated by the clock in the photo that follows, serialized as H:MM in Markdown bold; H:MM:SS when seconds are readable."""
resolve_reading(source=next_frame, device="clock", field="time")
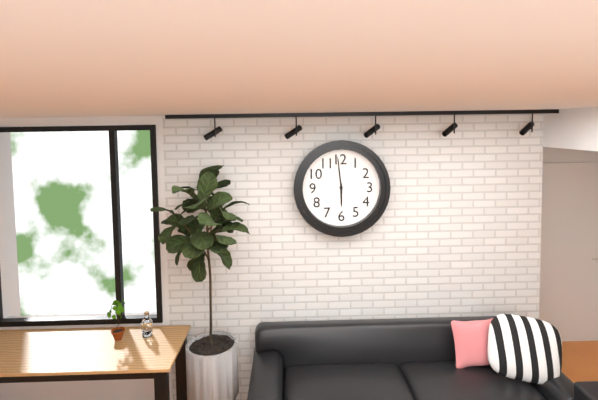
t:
**5:59**
